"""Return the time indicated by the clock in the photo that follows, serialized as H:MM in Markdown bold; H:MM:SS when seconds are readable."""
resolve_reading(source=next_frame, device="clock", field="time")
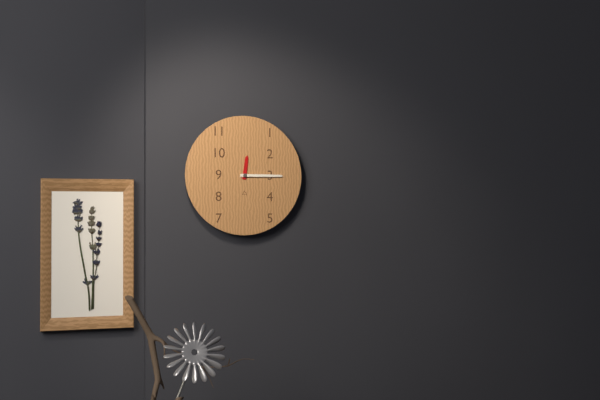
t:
**12:15**
